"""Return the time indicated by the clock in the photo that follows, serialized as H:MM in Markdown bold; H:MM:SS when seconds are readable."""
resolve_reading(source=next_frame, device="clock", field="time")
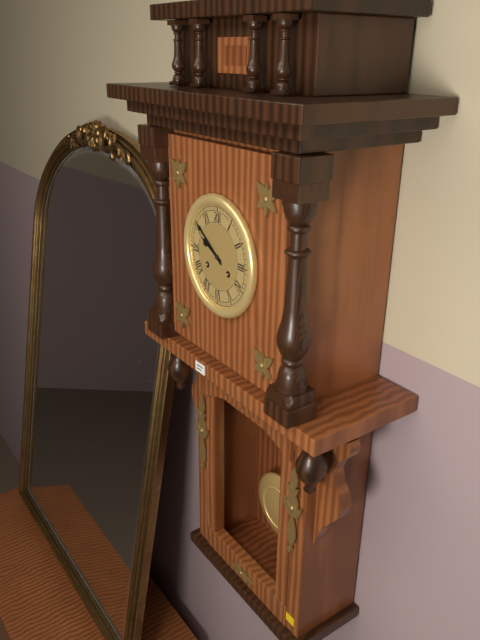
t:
**9:51**
